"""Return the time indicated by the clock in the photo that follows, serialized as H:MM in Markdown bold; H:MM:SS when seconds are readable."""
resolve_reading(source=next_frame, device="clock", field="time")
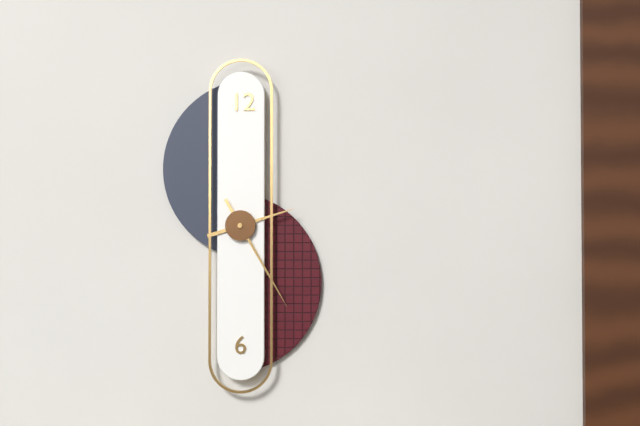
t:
**2:25**
